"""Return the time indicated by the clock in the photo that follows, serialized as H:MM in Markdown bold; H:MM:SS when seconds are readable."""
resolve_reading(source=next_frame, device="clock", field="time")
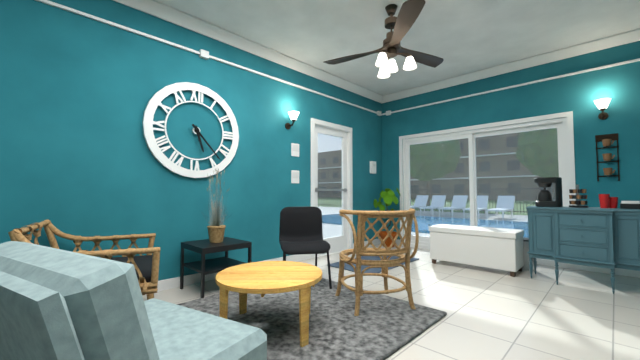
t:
**5:23**
